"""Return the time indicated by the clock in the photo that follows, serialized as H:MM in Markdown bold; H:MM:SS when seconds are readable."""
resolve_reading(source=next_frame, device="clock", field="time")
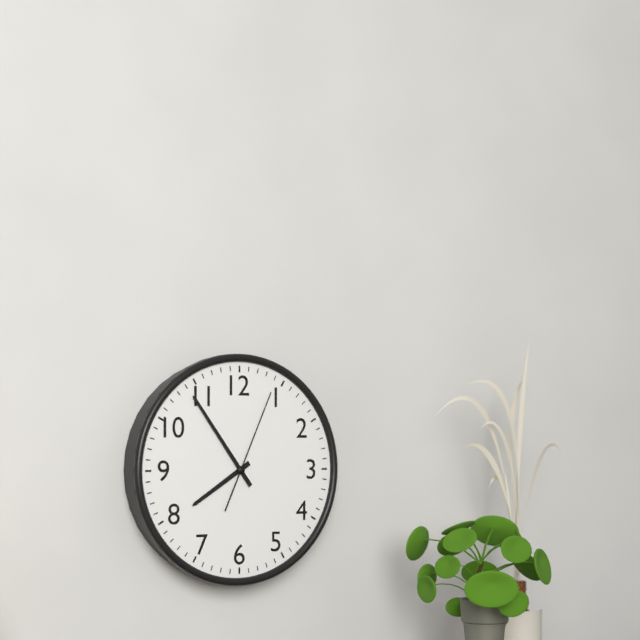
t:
**7:54:04**
